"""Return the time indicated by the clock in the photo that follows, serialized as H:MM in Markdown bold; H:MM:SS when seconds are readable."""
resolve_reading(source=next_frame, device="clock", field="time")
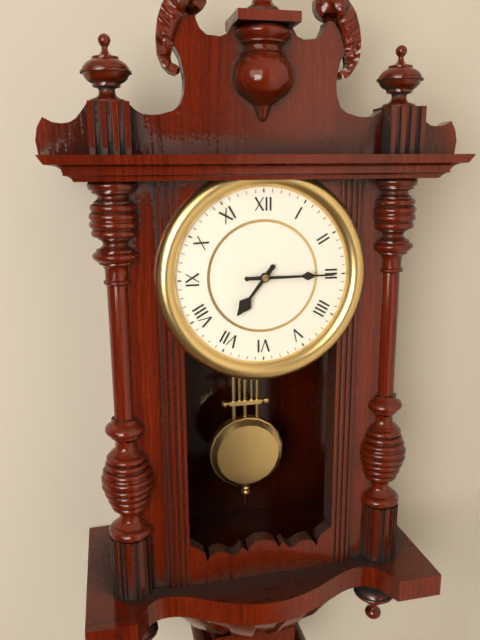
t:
**7:15**
